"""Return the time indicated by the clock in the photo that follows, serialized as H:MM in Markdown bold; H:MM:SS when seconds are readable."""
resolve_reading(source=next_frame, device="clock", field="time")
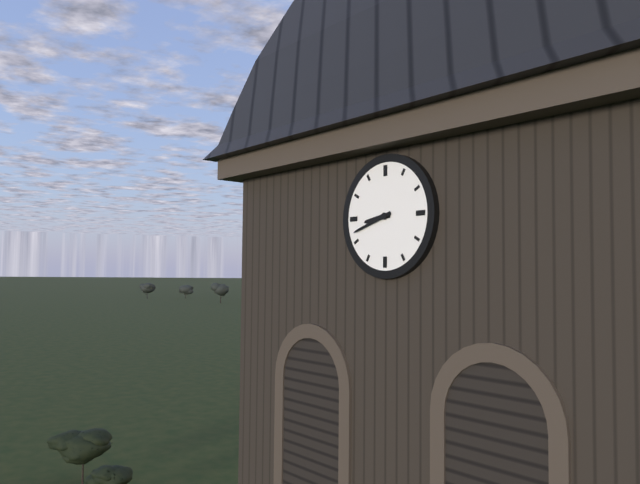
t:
**8:42**
